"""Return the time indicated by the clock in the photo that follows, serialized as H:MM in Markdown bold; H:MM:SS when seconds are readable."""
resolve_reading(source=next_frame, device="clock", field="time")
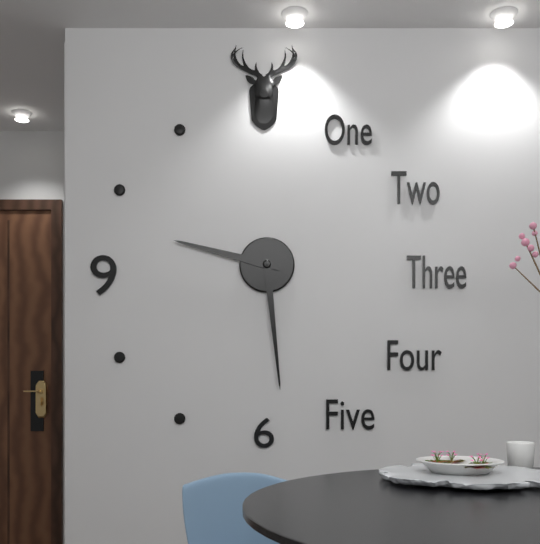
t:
**9:29**
